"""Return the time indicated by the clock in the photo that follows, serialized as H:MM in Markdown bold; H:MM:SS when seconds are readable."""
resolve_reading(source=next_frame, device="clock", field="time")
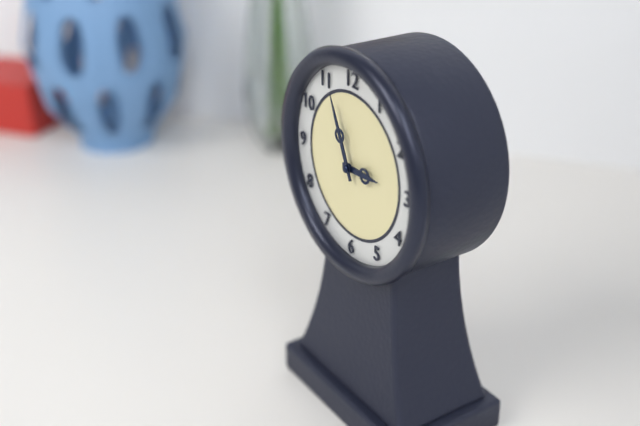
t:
**2:56**
